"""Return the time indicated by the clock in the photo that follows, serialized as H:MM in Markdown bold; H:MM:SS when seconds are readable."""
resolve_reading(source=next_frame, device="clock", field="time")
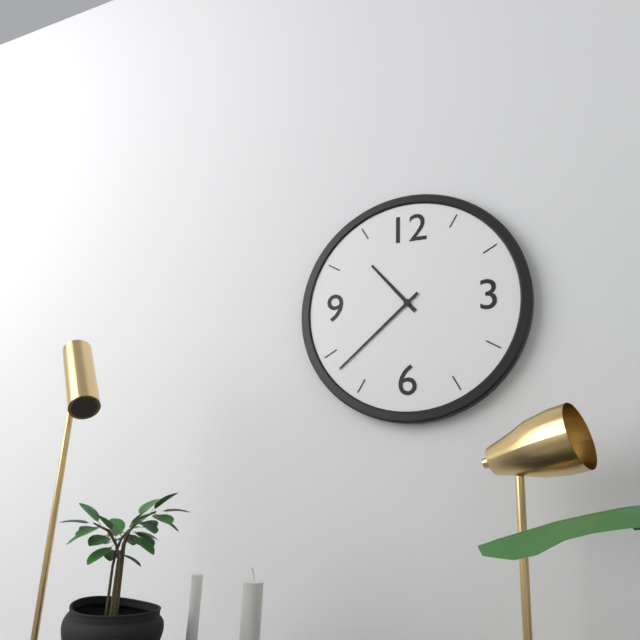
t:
**10:38**
